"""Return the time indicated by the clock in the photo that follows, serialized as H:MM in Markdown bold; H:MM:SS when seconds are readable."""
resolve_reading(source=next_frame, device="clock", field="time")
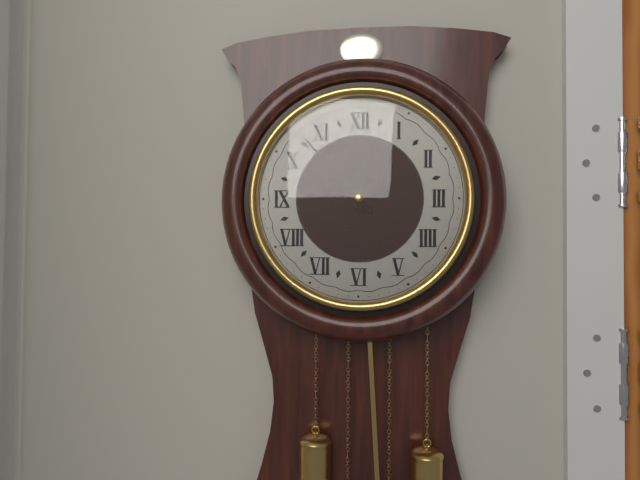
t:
**11:53**
